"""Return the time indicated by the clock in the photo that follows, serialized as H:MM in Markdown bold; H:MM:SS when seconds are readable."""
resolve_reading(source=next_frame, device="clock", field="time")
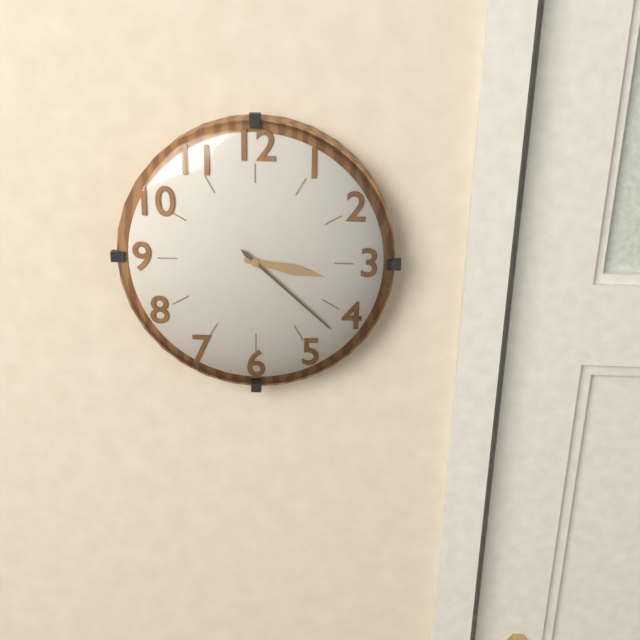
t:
**3:22**
